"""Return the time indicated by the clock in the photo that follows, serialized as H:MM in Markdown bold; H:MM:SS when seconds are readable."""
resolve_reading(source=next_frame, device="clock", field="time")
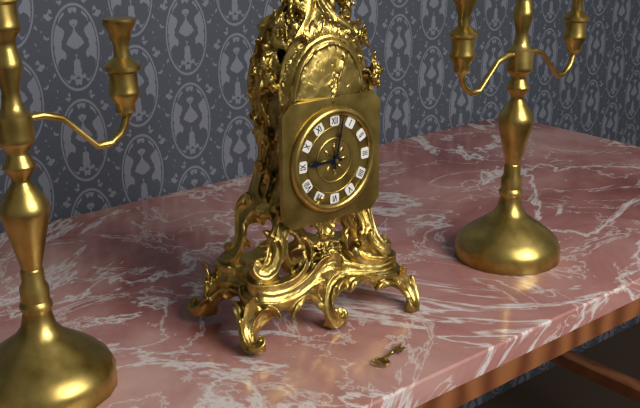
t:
**9:02**
